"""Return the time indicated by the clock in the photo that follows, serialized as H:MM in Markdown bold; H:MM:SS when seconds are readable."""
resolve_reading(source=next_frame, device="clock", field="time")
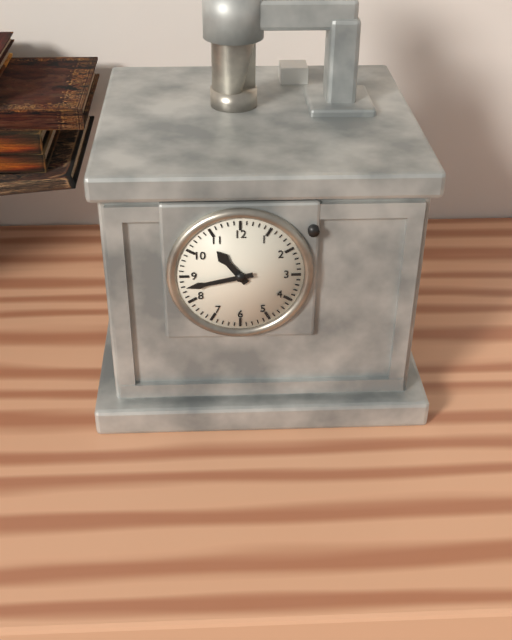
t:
**10:43**
